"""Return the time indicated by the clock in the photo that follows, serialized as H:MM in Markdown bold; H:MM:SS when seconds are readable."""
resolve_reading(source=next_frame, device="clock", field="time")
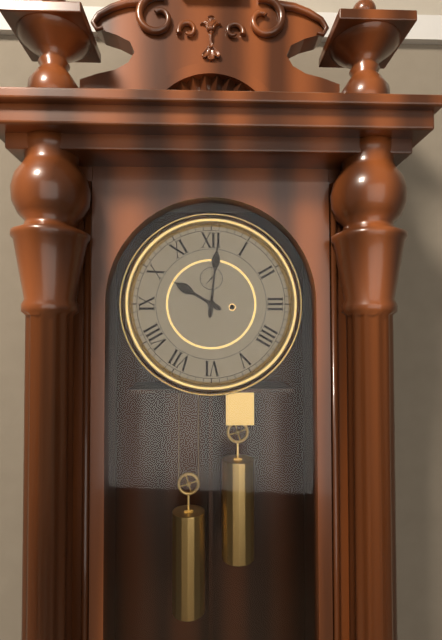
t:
**10:01**
